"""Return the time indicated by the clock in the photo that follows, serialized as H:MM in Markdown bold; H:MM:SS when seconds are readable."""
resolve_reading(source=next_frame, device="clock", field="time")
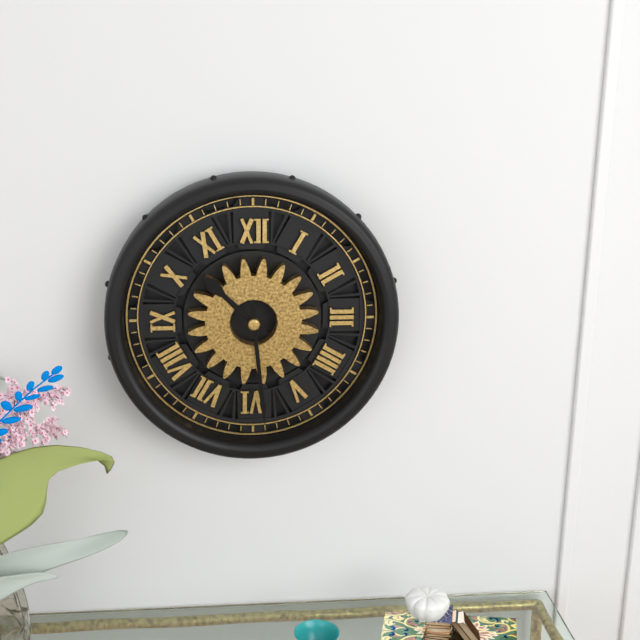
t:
**10:29**
